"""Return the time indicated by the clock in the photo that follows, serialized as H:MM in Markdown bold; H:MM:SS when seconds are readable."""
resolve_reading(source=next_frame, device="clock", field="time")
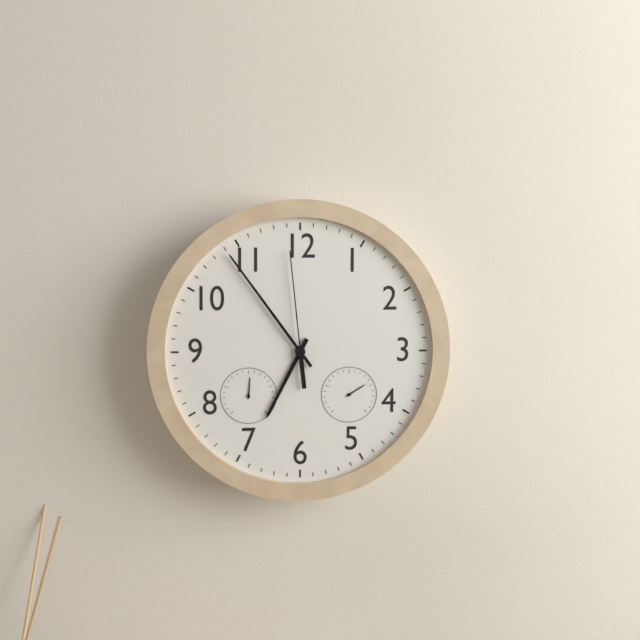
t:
**6:54:59**
